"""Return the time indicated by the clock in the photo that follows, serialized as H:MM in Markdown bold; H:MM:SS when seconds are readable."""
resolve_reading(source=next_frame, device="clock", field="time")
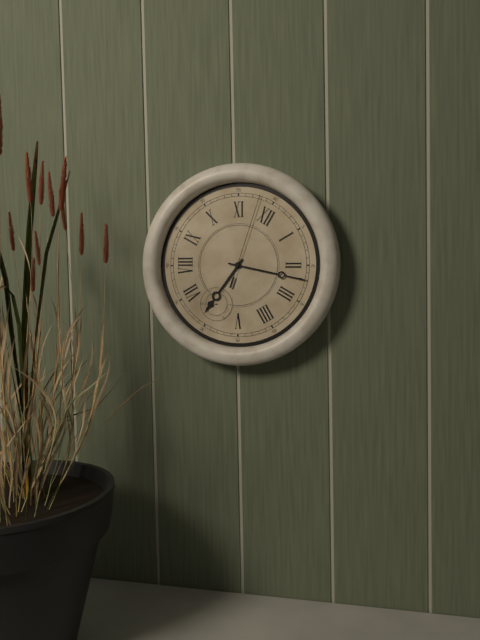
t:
**6:12:58**
